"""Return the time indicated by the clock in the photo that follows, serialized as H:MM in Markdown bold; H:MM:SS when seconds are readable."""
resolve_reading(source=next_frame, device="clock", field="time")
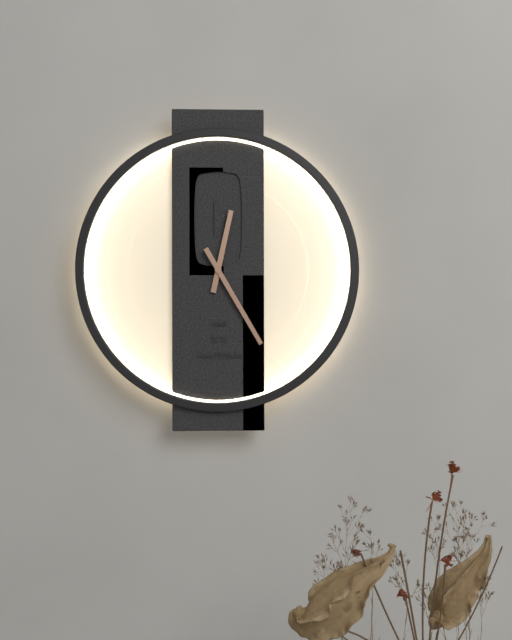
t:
**12:25**
